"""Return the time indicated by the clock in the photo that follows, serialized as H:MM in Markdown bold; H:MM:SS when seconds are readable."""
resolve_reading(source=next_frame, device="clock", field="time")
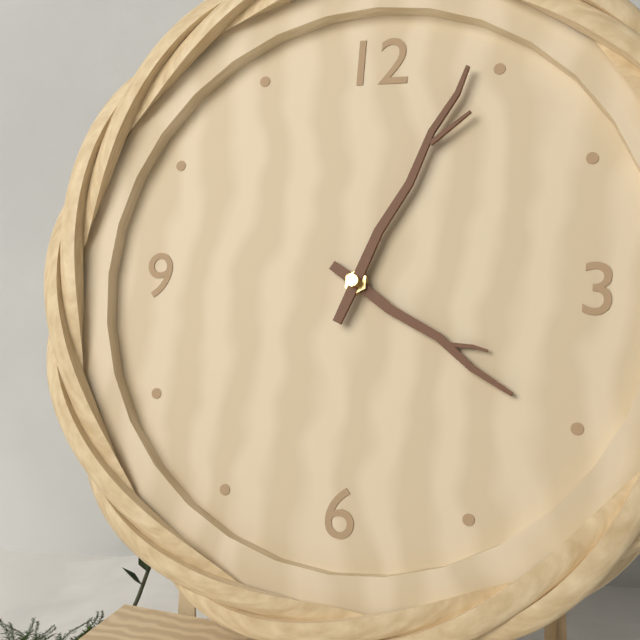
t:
**4:04**
